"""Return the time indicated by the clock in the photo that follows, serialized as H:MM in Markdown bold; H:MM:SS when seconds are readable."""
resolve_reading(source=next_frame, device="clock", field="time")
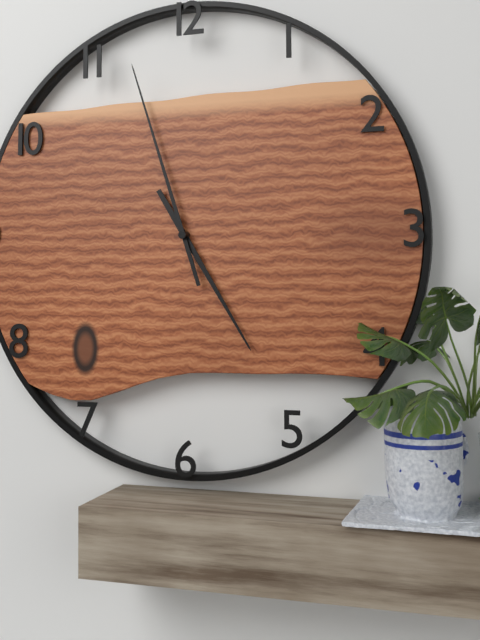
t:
**4:57**
